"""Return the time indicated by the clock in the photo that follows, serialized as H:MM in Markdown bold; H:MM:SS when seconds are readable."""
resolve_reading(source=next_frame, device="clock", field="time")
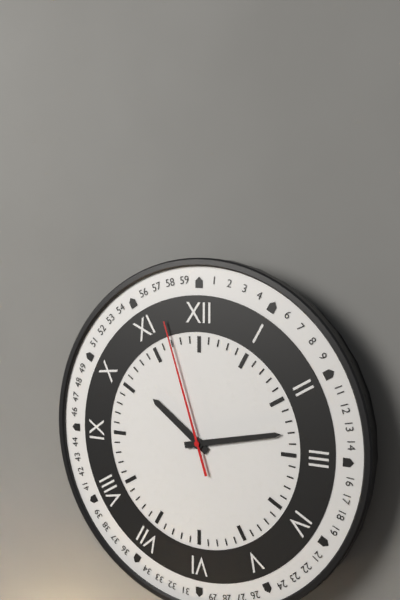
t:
**10:13:57**
